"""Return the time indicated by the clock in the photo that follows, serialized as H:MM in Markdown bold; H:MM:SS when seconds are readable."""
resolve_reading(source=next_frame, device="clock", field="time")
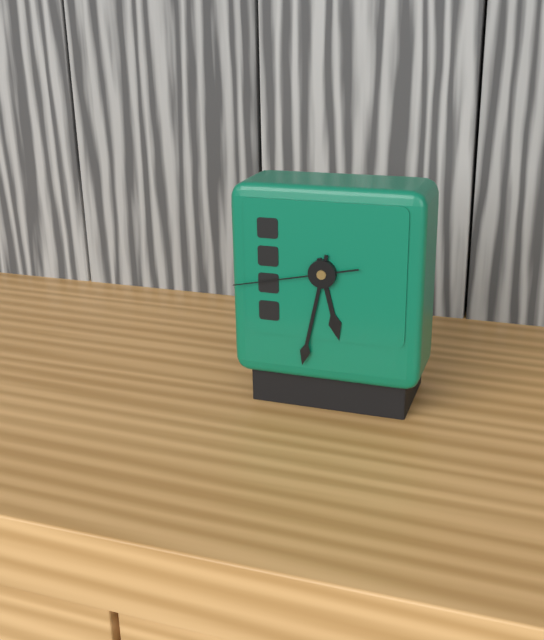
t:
**5:32:43**
